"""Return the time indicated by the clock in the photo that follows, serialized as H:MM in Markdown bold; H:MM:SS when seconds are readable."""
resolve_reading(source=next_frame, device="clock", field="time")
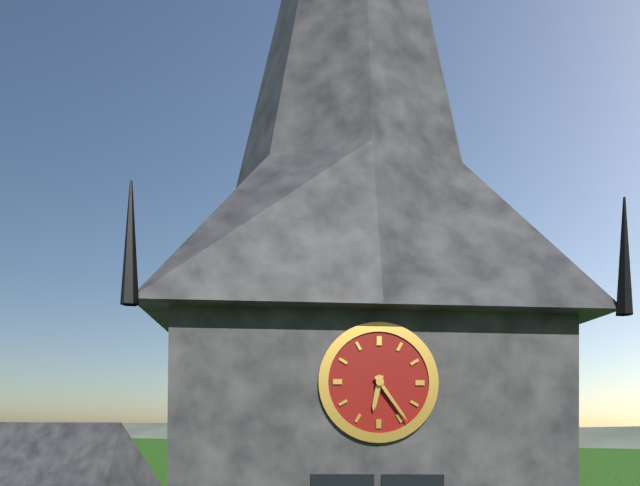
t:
**6:24**
